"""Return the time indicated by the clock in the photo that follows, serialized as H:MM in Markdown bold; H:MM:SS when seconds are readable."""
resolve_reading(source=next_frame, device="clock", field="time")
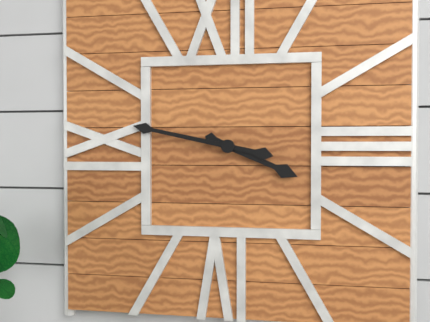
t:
**3:47**
